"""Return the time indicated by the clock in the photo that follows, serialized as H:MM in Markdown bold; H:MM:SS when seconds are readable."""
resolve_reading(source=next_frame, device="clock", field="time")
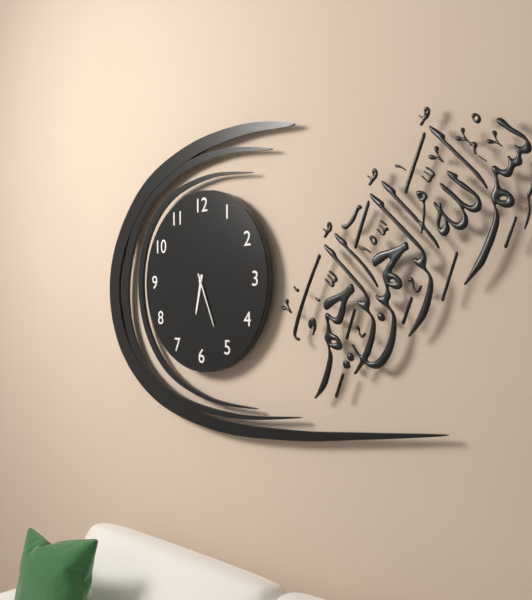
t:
**6:26**
